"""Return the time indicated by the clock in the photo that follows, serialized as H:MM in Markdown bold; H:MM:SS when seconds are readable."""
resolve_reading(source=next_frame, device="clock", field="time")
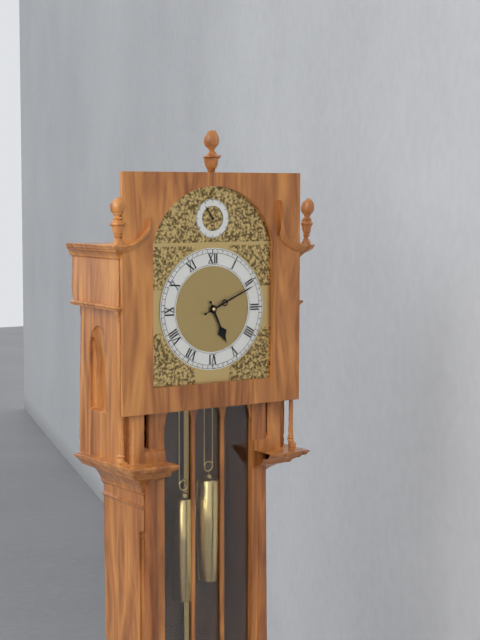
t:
**5:11**
